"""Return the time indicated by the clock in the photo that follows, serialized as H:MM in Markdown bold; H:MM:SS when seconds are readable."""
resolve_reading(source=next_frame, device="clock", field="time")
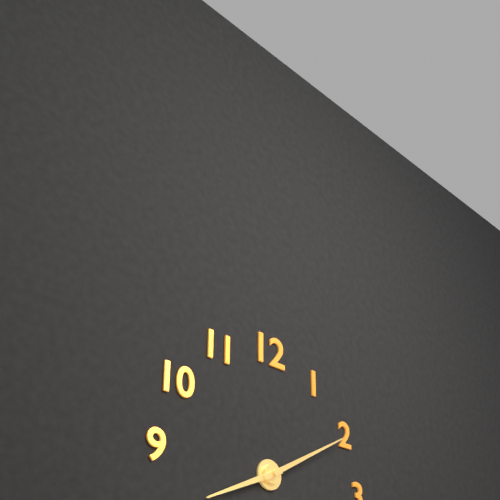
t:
**8:10**
